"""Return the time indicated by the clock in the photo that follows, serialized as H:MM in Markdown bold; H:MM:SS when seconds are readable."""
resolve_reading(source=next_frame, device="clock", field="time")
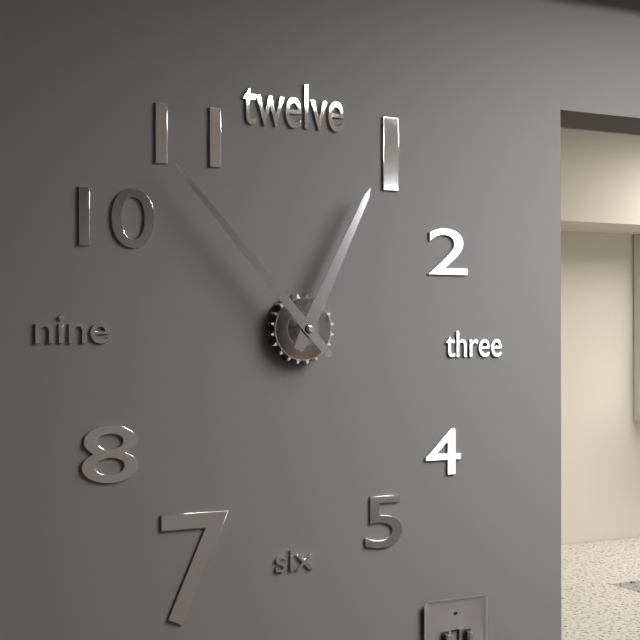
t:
**12:53**
